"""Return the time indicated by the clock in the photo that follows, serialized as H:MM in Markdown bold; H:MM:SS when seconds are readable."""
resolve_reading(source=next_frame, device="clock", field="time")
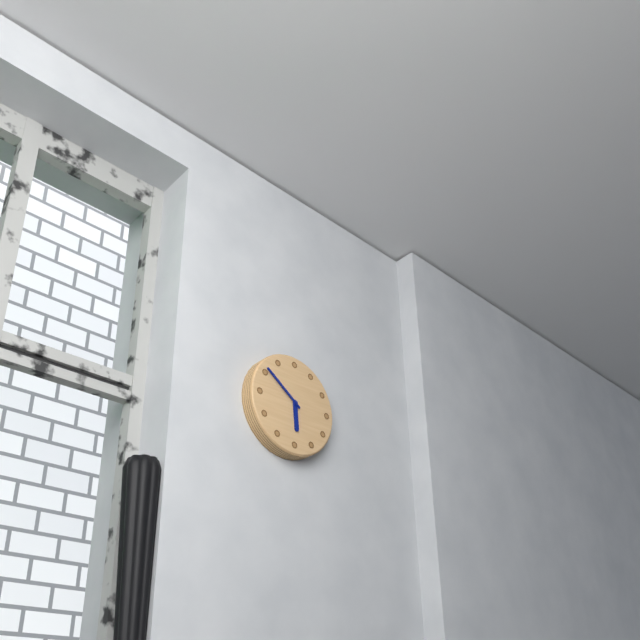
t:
**5:51**
